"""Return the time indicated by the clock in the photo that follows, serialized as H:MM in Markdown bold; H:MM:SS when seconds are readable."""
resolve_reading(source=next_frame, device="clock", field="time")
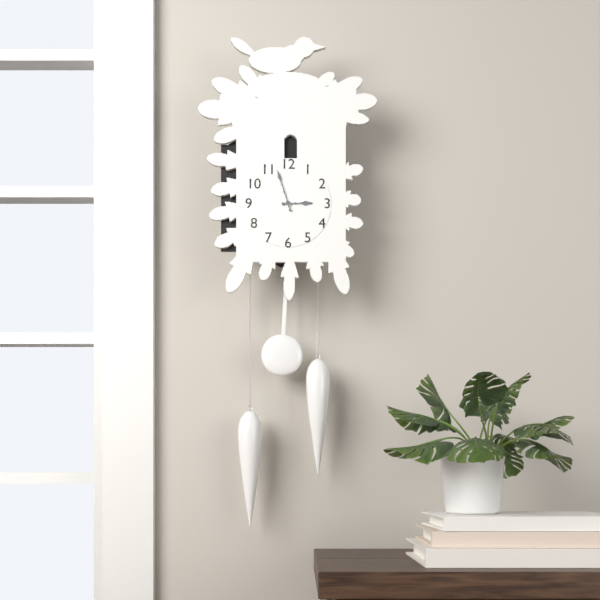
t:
**2:57**
